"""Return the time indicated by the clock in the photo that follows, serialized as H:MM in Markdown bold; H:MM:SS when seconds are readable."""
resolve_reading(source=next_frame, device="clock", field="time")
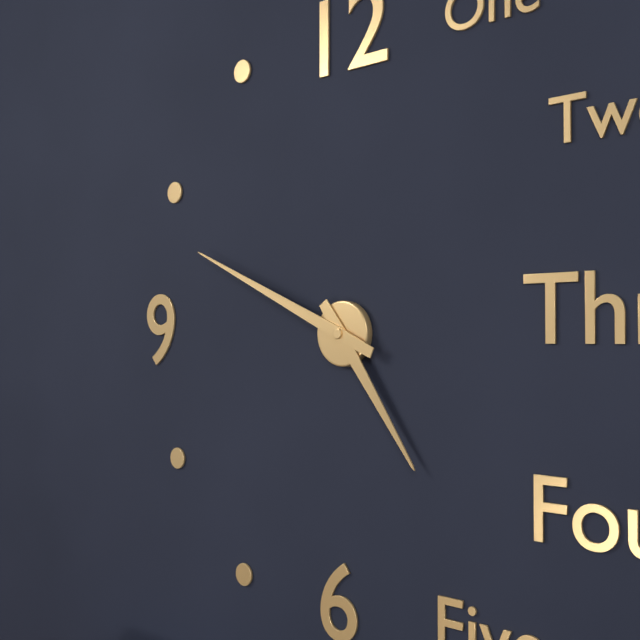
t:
**4:49**
